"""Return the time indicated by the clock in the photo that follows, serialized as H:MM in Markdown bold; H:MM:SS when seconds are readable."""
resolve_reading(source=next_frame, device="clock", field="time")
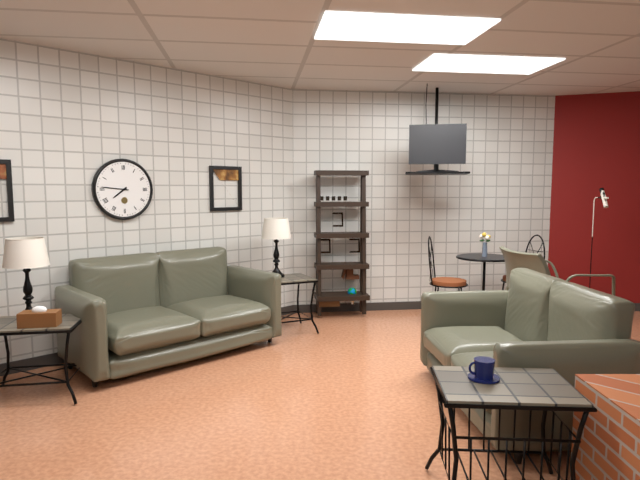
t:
**7:46**
